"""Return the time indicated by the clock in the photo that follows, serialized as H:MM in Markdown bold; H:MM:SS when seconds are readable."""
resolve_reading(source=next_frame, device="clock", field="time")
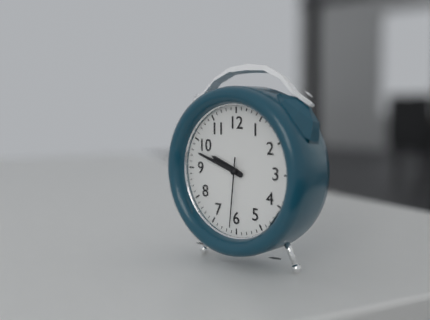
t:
**9:48:31**
